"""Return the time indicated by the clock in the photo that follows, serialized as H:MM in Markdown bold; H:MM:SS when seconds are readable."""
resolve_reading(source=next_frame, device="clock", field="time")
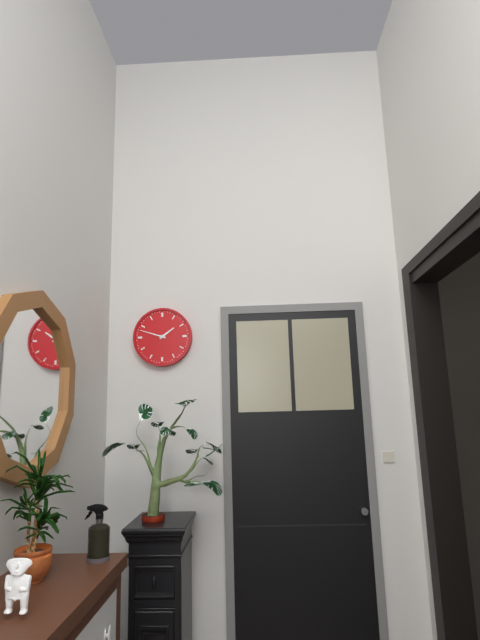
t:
**1:48**
